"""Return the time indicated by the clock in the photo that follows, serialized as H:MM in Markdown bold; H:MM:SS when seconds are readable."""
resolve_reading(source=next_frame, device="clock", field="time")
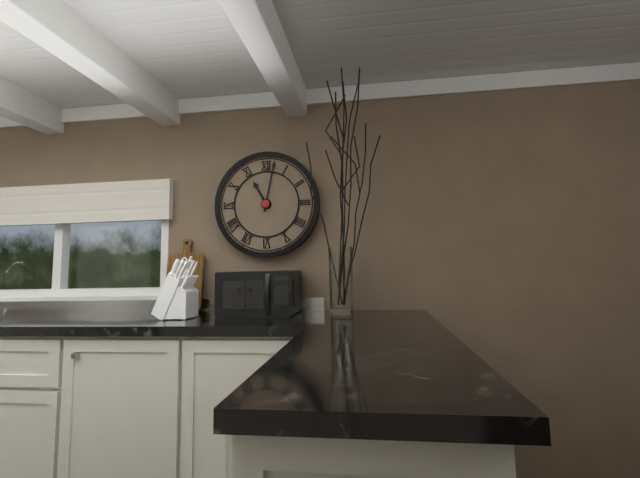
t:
**11:02**
